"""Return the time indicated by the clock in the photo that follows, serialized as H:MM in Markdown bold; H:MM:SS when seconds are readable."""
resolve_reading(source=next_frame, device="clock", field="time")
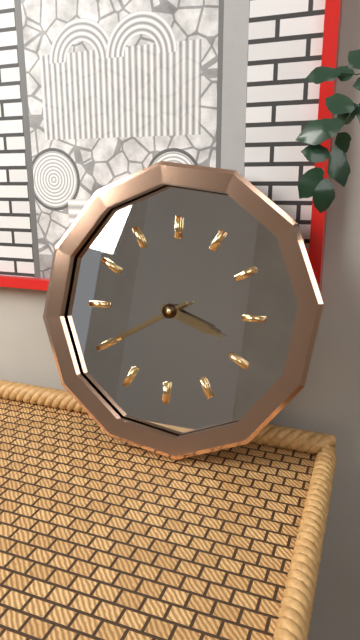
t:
**3:40**
